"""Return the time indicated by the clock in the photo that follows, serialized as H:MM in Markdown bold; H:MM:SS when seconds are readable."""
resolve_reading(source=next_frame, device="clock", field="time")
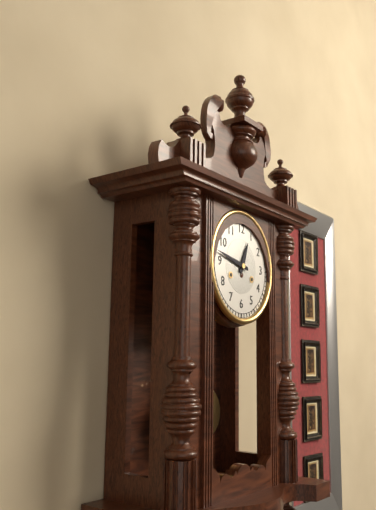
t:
**12:47**
